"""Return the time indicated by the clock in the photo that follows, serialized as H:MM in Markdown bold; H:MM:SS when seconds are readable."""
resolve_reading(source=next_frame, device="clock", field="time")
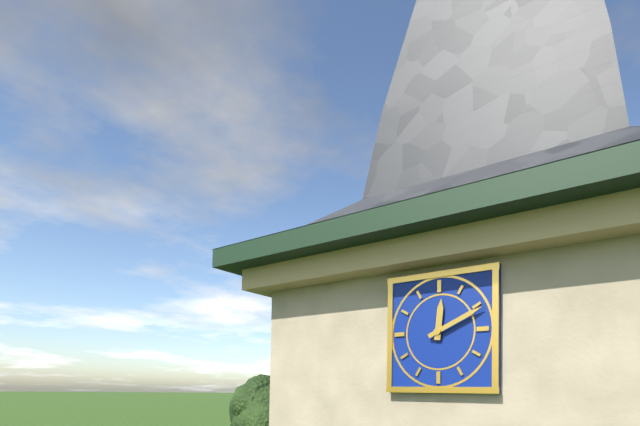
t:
**12:11**
